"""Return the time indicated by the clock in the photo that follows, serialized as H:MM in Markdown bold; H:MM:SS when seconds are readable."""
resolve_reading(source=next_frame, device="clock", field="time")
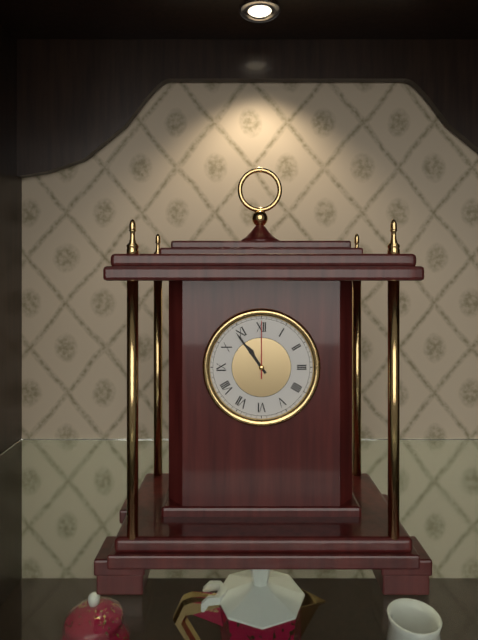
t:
**10:54:00**
